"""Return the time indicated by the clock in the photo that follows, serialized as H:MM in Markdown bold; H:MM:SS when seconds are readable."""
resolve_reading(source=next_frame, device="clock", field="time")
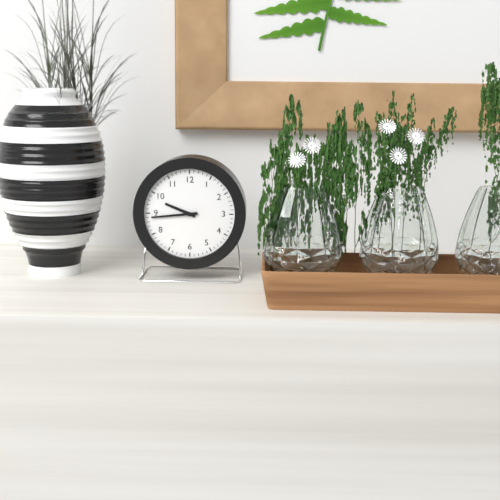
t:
**9:44**
